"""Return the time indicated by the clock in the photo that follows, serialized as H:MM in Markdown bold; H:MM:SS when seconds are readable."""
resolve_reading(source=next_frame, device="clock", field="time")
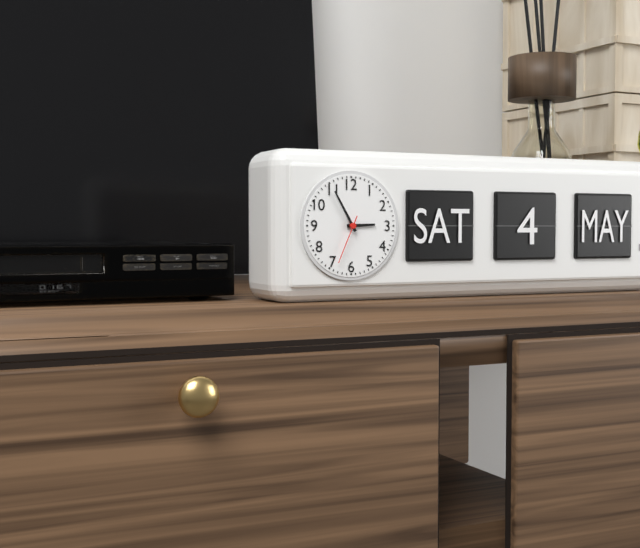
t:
**2:55:34**
